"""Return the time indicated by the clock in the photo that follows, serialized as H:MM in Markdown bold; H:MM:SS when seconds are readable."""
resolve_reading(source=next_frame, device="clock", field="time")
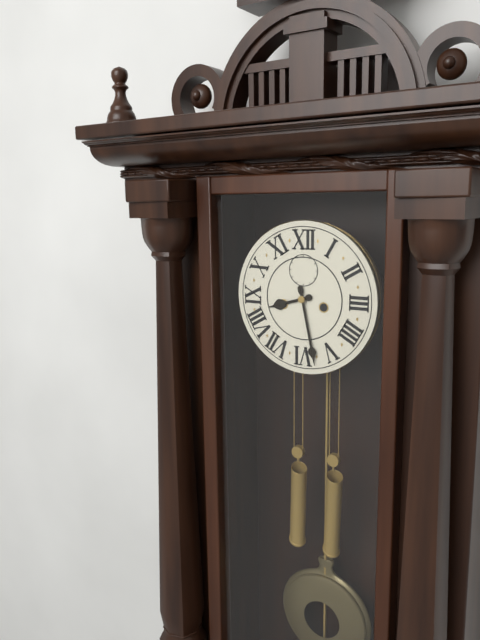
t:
**8:28**
